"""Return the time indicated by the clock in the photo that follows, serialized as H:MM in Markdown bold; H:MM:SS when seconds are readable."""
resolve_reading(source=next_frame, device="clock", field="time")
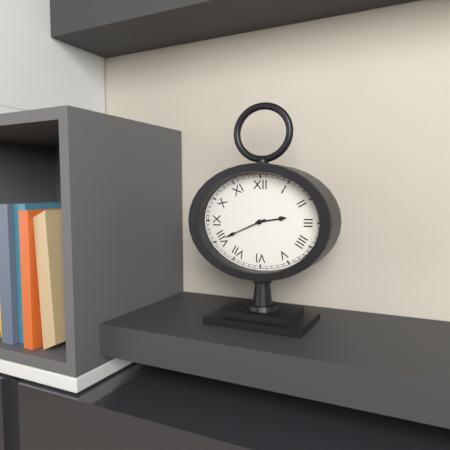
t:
**2:41**
